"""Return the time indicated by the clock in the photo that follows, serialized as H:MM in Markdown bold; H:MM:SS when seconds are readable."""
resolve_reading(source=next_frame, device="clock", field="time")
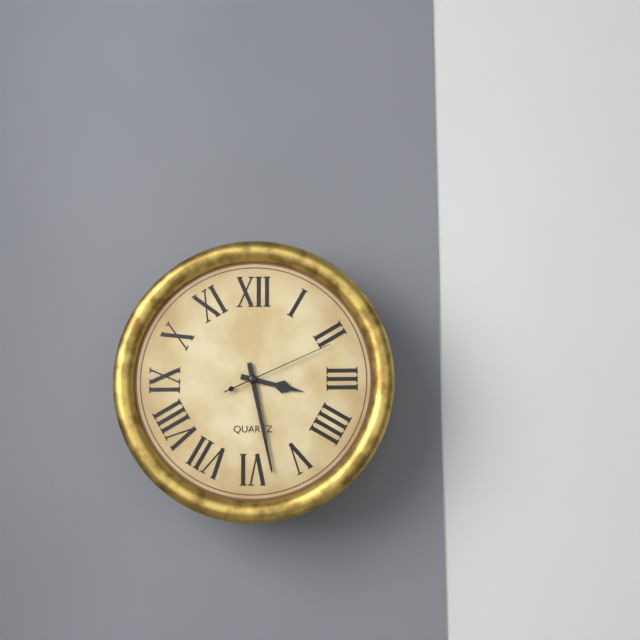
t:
**3:28:11**
